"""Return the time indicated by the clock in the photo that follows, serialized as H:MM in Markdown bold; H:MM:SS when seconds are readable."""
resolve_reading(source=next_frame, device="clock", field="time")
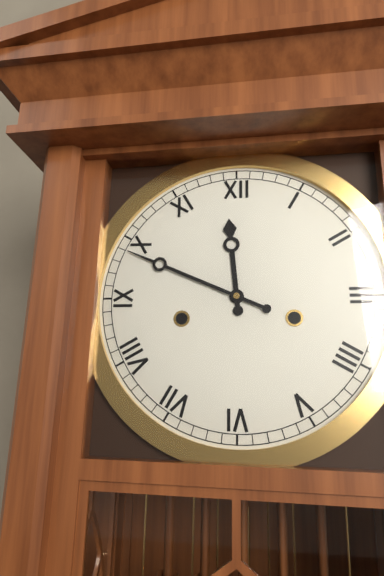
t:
**11:49**
